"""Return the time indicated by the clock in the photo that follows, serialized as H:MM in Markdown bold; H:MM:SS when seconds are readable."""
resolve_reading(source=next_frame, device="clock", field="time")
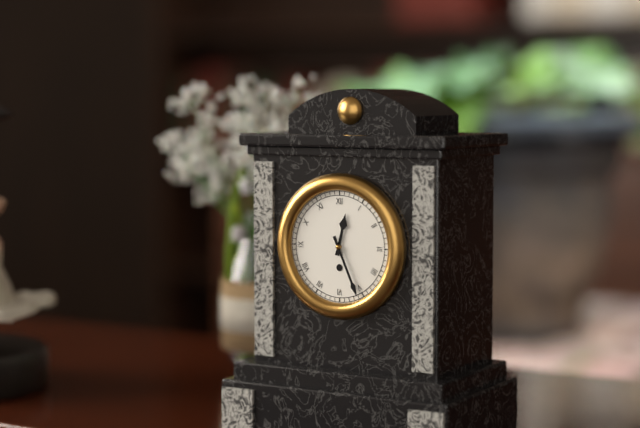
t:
**12:26**
